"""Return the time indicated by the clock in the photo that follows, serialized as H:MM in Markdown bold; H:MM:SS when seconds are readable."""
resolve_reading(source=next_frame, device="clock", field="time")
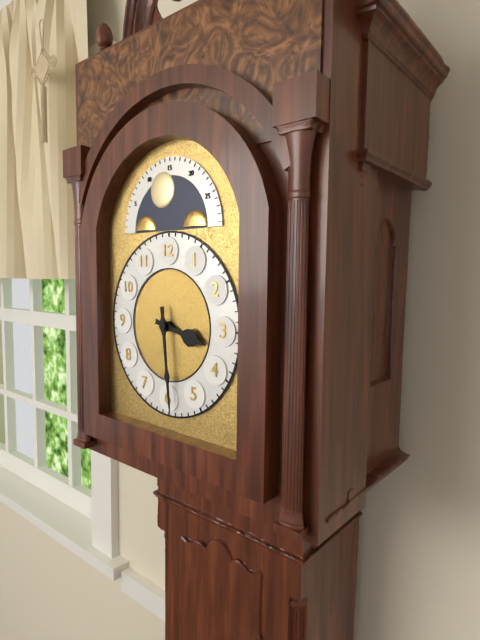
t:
**3:29**
